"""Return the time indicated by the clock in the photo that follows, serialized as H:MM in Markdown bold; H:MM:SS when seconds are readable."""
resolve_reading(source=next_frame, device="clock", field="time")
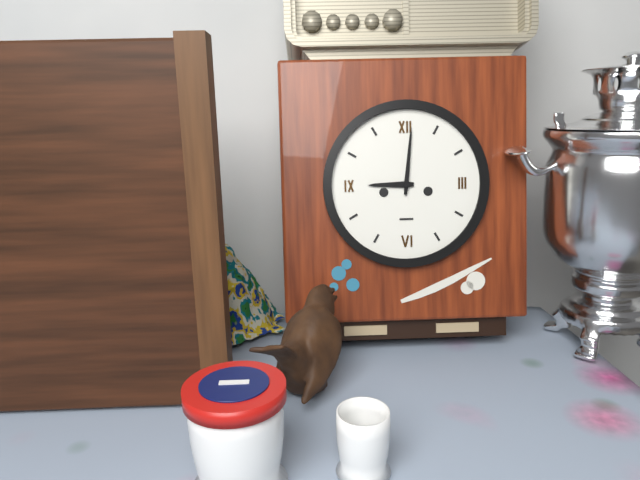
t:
**9:01**
